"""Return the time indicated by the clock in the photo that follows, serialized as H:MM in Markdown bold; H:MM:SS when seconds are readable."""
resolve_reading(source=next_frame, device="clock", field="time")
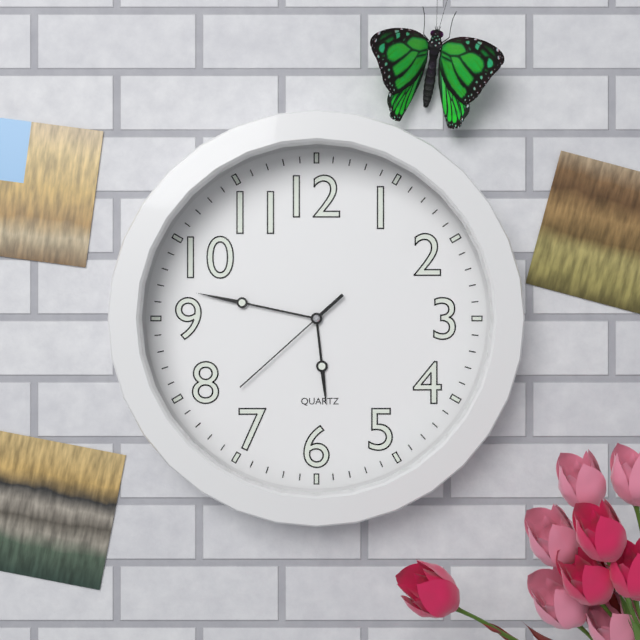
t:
**5:47:38**
